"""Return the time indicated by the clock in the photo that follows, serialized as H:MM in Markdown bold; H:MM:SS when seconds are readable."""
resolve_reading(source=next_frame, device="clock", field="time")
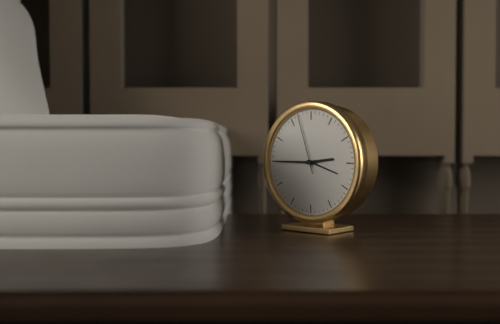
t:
**2:45:57**
